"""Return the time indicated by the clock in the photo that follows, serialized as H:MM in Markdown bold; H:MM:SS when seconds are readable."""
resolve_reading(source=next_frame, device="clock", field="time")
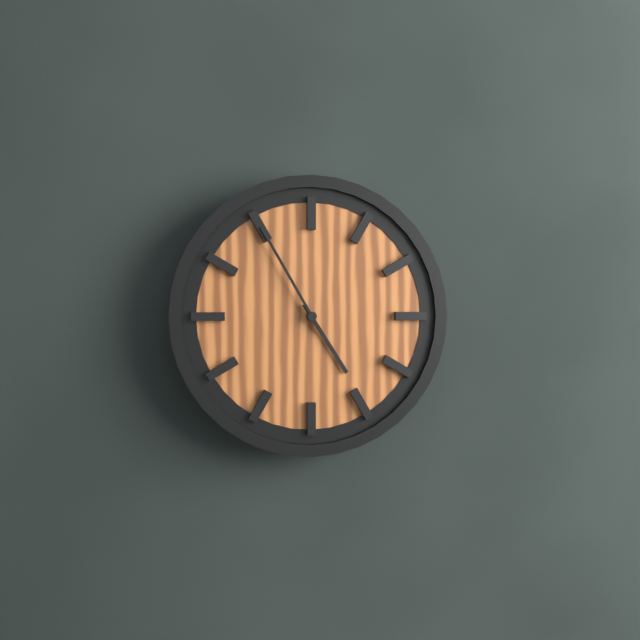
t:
**4:55**
